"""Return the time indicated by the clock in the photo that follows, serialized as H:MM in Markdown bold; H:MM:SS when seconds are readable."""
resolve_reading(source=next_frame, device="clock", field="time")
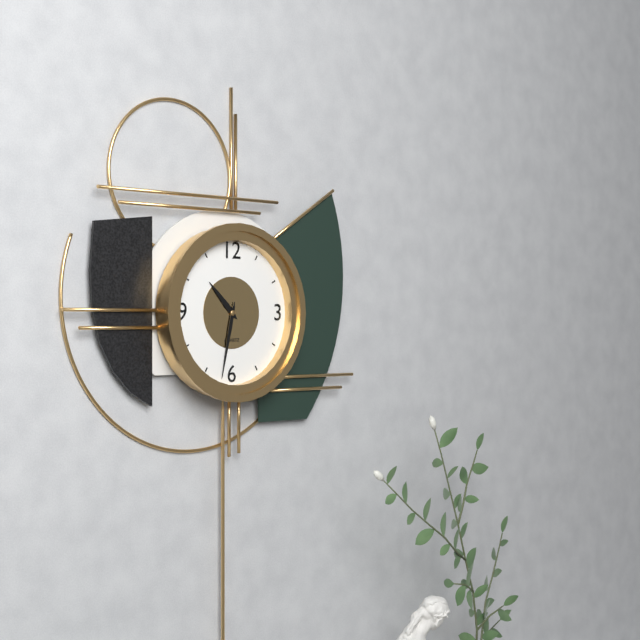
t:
**10:32**
